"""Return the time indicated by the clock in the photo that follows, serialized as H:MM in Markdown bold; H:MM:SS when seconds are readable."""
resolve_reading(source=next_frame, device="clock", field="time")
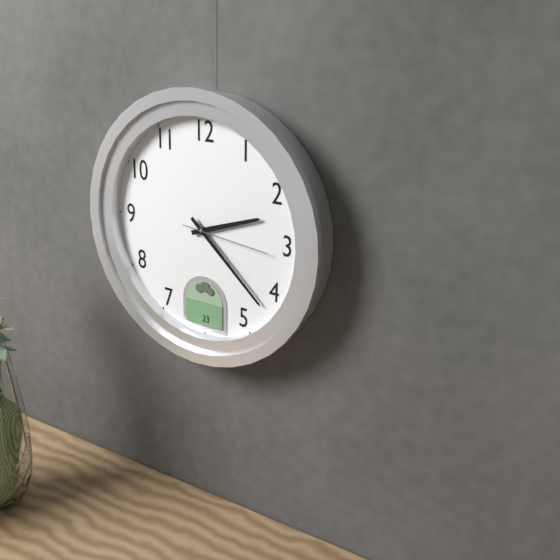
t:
**2:22:16**
